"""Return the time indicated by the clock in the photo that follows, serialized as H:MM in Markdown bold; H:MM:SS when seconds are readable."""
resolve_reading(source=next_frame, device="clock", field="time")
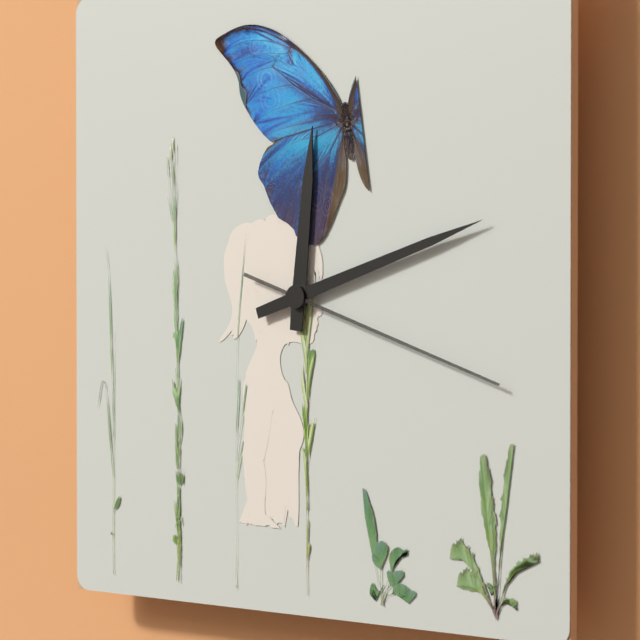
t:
**12:12:18**
